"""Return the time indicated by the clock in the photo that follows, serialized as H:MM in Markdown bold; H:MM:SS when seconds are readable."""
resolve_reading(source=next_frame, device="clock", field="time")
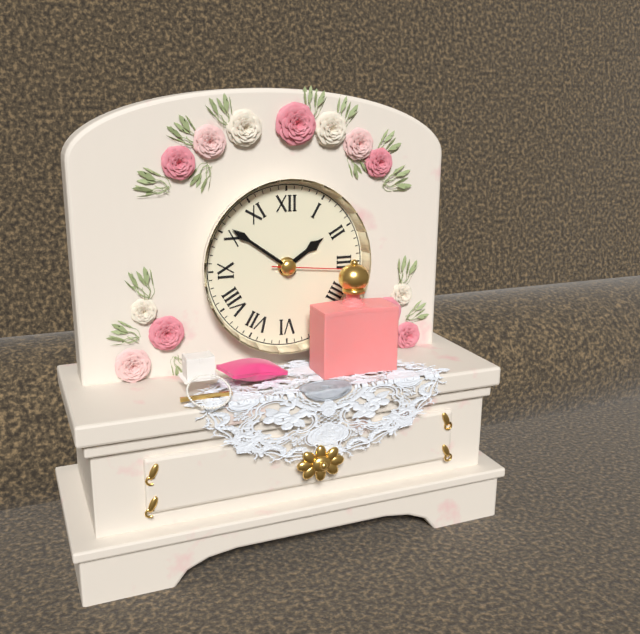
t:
**1:51:16**
